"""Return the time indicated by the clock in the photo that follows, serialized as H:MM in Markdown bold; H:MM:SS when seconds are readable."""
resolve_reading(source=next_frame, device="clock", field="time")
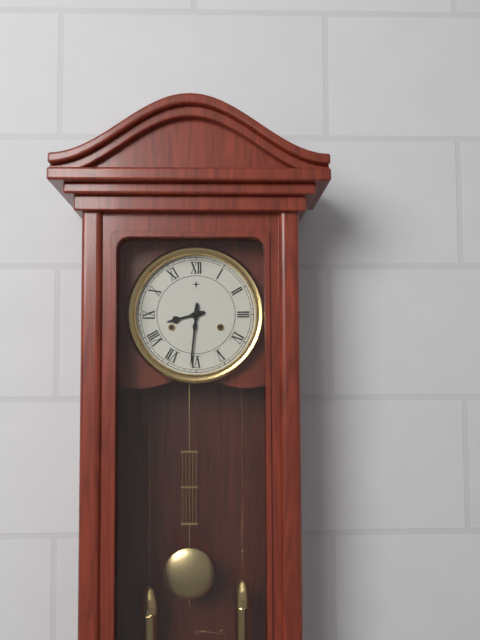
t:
**8:31**
